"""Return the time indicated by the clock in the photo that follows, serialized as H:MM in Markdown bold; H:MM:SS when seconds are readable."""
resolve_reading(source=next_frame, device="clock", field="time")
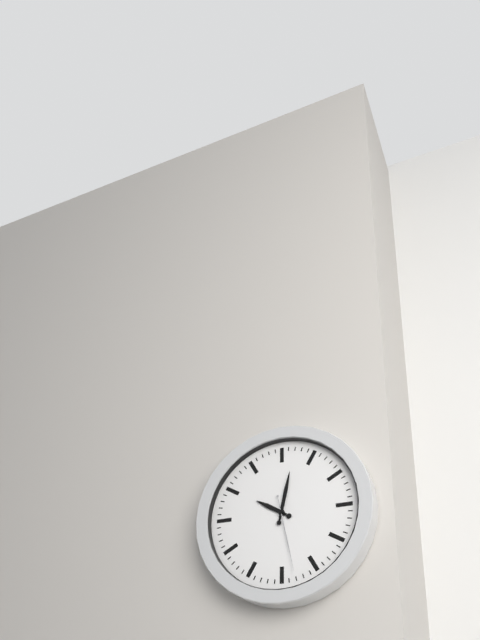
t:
**10:02:28**
